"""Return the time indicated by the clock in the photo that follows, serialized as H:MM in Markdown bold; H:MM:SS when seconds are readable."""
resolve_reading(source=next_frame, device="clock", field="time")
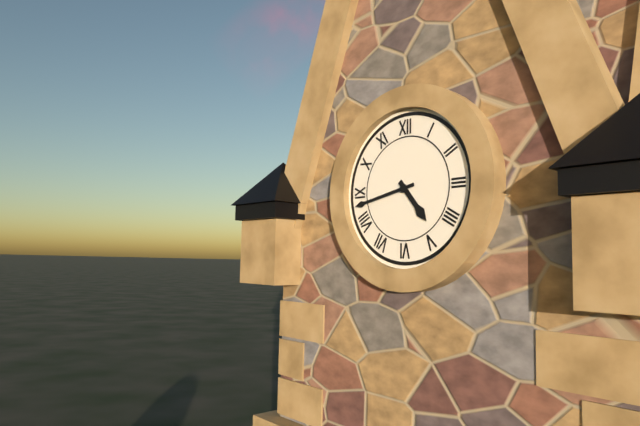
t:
**4:43**
